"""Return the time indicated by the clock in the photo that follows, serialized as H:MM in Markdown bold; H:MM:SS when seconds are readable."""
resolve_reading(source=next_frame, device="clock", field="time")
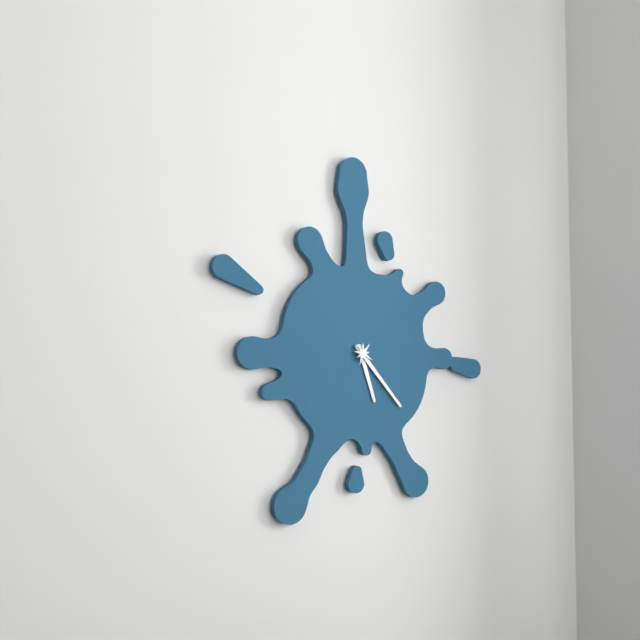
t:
**5:23**
